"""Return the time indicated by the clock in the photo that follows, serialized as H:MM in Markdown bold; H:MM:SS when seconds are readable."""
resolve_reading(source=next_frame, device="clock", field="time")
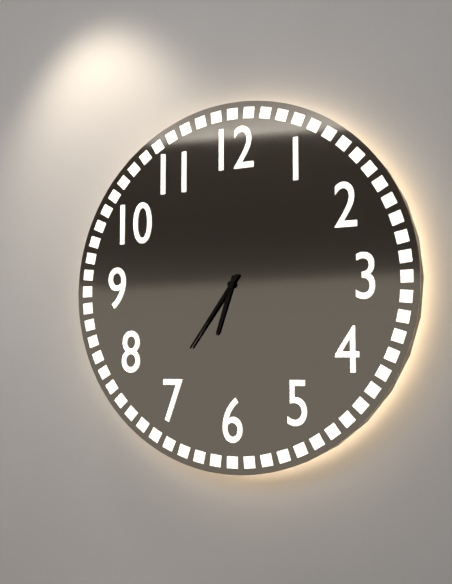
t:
**6:36**
